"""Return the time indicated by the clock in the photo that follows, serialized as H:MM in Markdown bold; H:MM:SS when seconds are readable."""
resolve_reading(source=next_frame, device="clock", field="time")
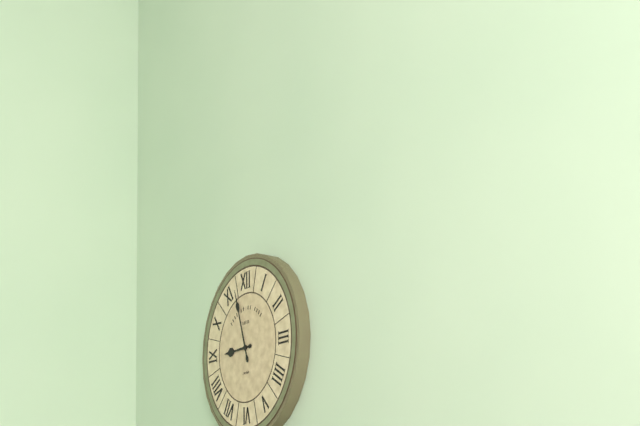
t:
**8:57**
